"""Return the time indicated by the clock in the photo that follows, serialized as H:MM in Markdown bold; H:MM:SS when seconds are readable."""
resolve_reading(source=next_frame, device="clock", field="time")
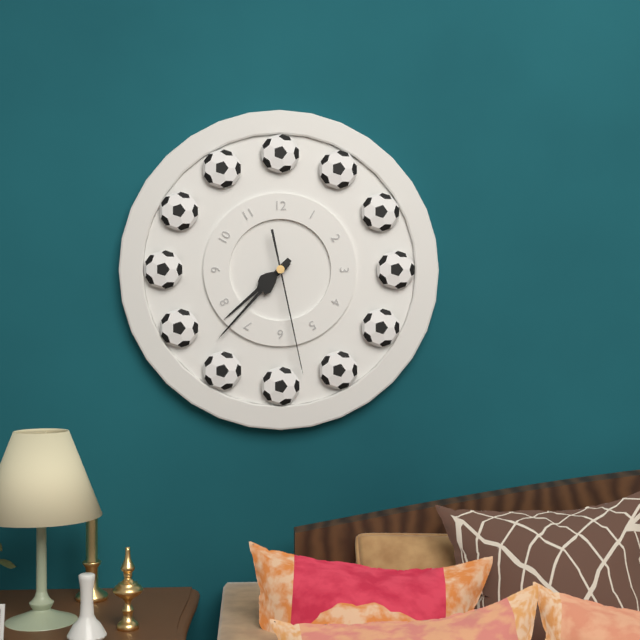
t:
**7:37:28**
